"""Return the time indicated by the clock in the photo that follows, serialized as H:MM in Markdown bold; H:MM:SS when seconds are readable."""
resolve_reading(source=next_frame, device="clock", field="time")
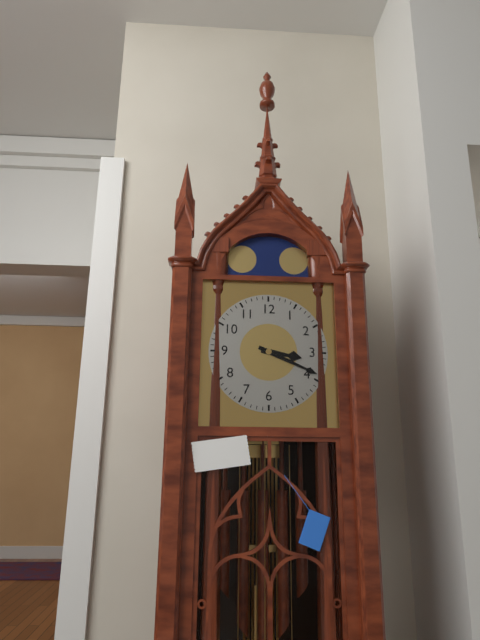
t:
**3:19**
